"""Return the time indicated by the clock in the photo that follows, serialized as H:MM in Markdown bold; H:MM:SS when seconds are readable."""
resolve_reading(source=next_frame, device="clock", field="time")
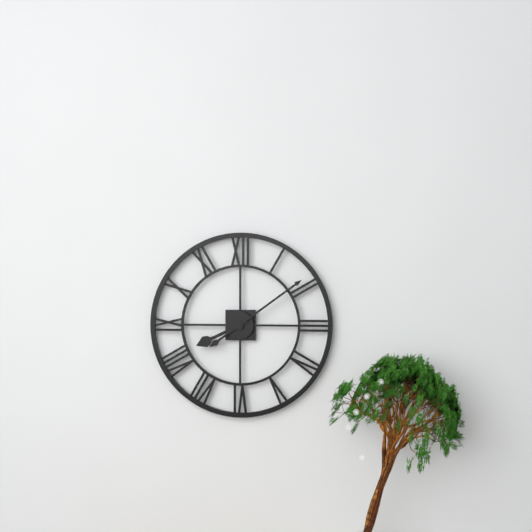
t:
**8:09**
